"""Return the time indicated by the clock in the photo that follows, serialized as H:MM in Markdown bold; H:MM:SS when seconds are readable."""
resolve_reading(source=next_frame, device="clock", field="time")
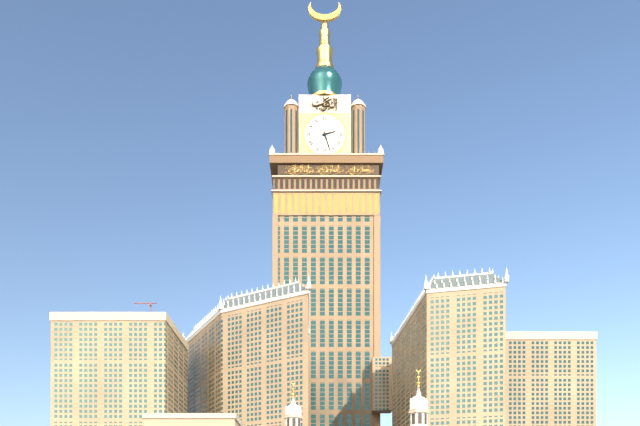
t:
**2:27**
